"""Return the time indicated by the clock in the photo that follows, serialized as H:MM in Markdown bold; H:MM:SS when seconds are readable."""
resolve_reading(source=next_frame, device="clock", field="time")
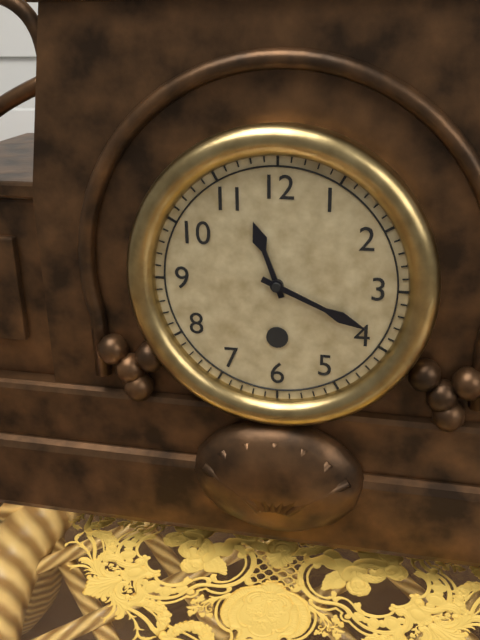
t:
**11:19**
